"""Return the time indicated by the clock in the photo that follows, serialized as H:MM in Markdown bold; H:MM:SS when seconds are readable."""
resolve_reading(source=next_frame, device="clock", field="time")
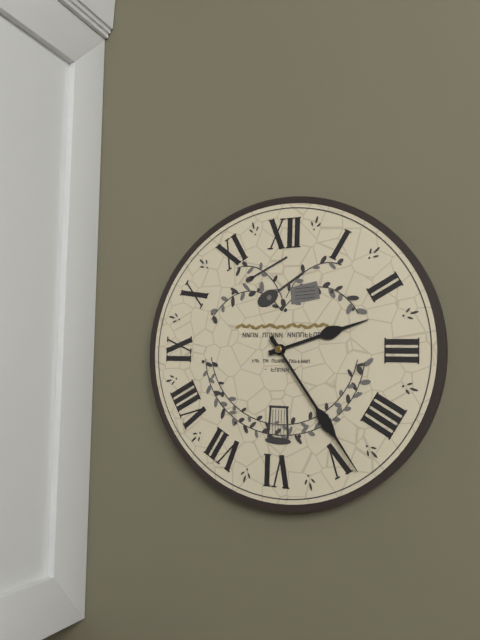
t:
**2:24**
